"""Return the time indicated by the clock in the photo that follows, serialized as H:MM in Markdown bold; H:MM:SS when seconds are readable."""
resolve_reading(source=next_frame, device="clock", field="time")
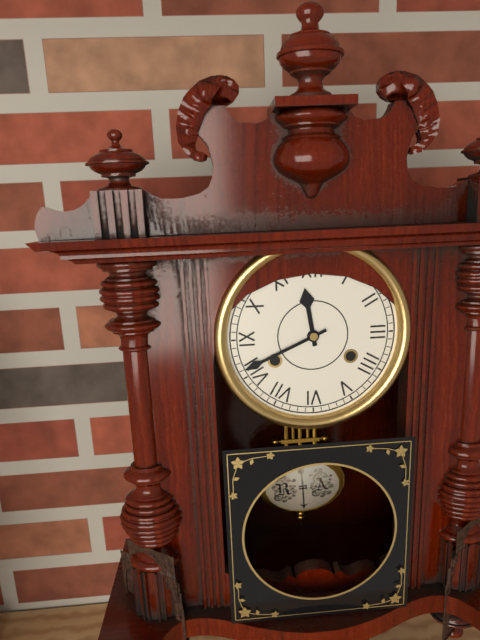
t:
**11:41**
